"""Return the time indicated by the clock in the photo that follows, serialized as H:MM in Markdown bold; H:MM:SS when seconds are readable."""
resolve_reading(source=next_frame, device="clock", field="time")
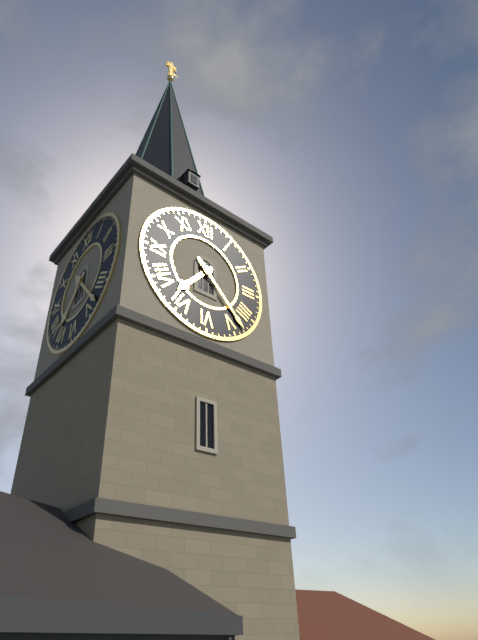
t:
**7:23**
